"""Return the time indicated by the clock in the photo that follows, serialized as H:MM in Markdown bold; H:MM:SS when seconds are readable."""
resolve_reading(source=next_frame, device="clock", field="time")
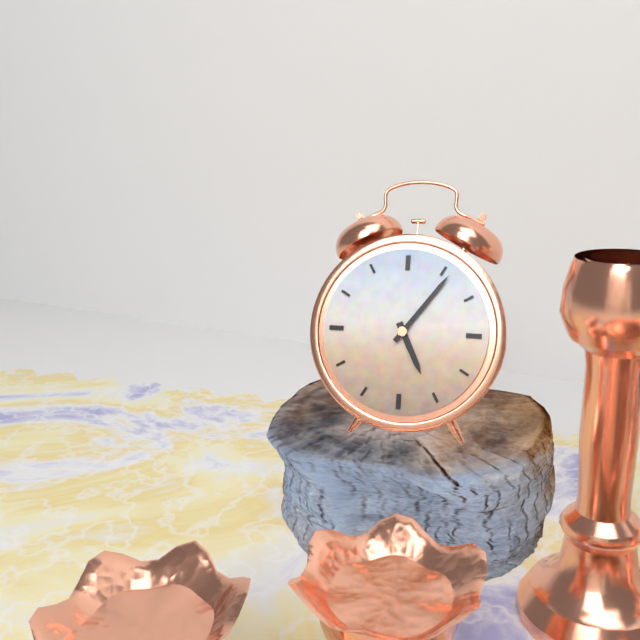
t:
**5:06**
